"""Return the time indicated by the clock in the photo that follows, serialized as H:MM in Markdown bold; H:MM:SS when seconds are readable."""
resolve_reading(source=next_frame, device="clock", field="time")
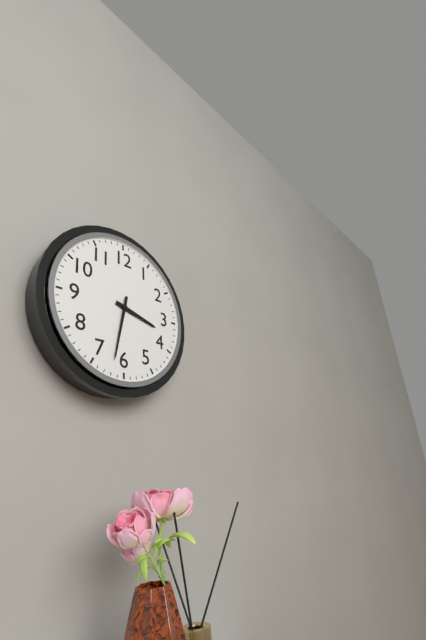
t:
**3:32**
